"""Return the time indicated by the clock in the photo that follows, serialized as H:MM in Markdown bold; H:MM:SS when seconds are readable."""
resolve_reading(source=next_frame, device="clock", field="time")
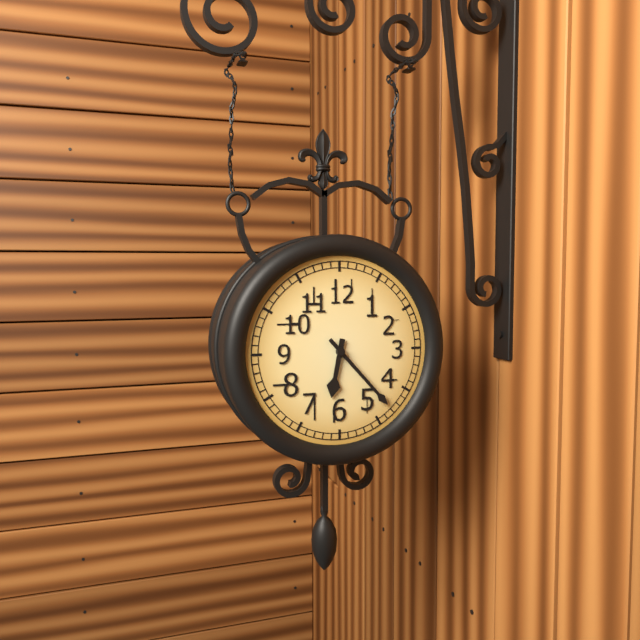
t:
**6:23**
